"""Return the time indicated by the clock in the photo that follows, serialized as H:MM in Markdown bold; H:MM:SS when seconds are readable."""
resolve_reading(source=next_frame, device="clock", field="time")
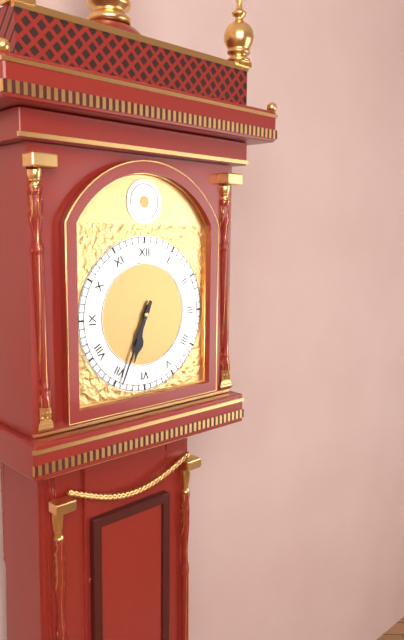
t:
**6:34**
